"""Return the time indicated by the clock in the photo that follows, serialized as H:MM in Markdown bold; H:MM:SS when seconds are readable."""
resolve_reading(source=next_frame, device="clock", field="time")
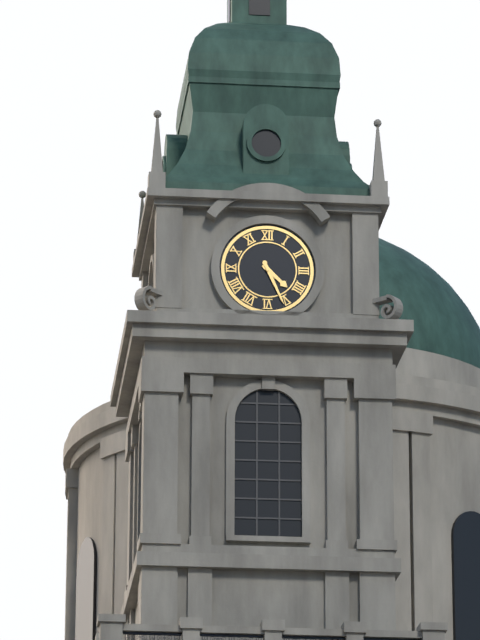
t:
**4:26**
